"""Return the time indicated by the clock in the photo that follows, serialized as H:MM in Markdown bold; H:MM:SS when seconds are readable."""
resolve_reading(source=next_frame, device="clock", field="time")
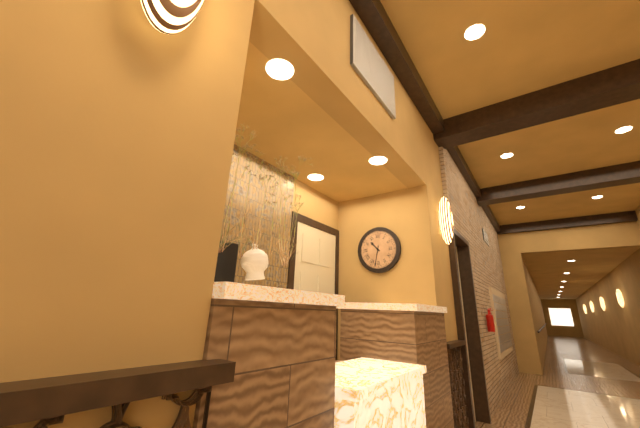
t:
**10:32**
